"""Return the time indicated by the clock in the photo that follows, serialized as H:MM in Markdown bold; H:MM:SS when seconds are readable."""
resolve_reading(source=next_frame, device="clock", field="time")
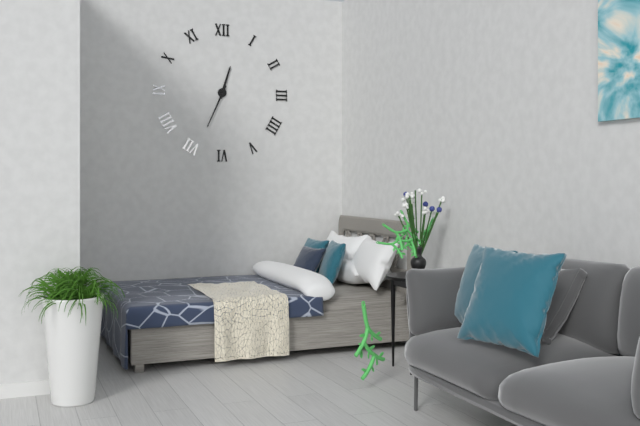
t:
**12:34**
